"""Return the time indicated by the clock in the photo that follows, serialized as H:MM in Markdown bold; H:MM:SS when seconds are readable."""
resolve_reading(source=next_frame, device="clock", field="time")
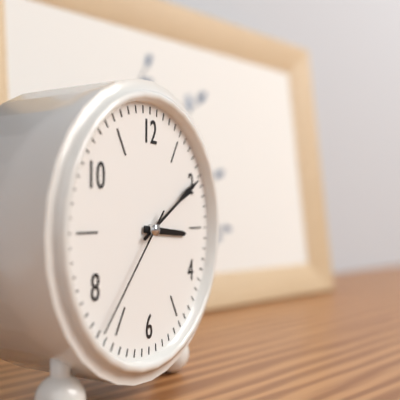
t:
**3:10:37**
